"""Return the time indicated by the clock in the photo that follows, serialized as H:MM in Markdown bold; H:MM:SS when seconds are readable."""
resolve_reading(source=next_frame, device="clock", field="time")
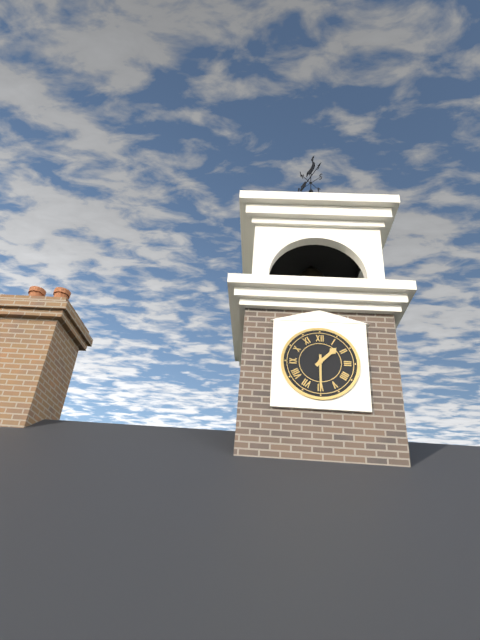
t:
**1:30**
